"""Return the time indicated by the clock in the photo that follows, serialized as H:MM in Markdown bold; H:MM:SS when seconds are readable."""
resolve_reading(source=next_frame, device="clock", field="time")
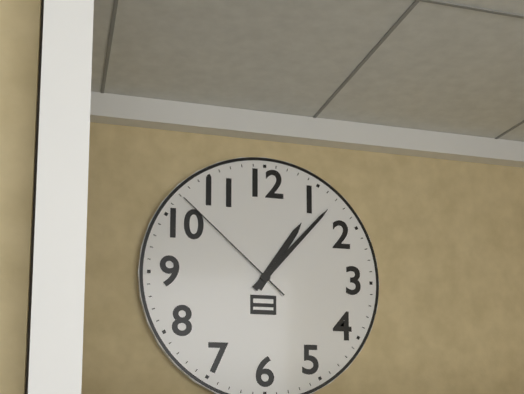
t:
**1:07:52**
